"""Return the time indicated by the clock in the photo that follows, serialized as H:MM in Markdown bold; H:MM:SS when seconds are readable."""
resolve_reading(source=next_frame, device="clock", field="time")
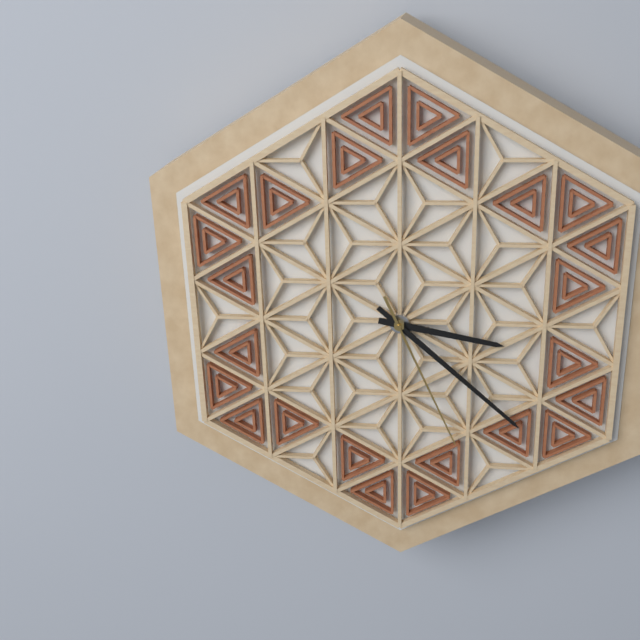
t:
**3:22:26**
